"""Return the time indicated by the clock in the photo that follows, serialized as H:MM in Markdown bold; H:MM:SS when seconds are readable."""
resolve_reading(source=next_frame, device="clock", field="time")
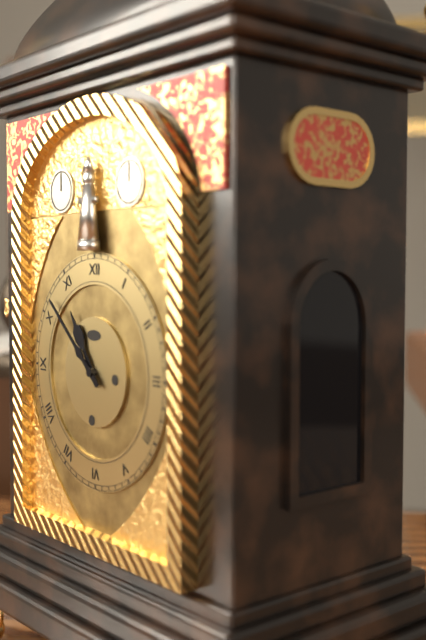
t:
**10:52**
